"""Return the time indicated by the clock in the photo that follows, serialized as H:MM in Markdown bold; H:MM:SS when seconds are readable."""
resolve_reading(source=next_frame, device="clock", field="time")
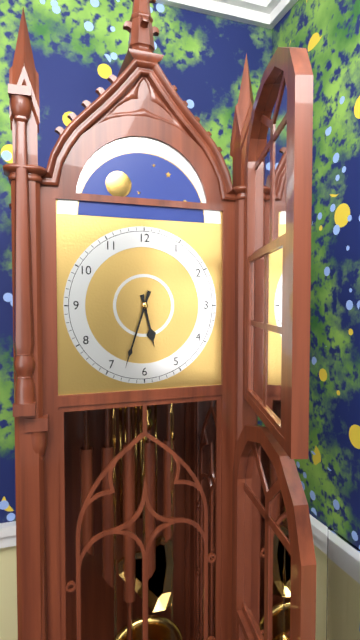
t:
**5:33**
